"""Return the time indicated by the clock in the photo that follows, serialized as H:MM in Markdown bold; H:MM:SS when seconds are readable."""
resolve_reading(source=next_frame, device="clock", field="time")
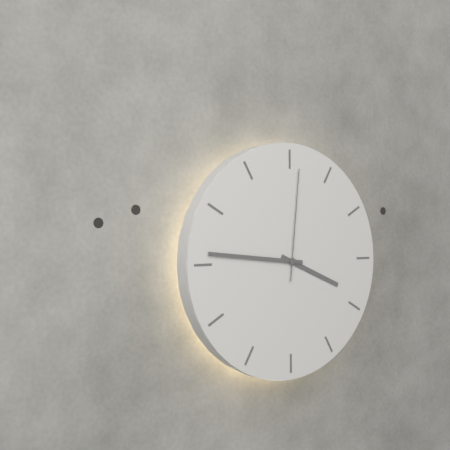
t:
**3:46:01**
